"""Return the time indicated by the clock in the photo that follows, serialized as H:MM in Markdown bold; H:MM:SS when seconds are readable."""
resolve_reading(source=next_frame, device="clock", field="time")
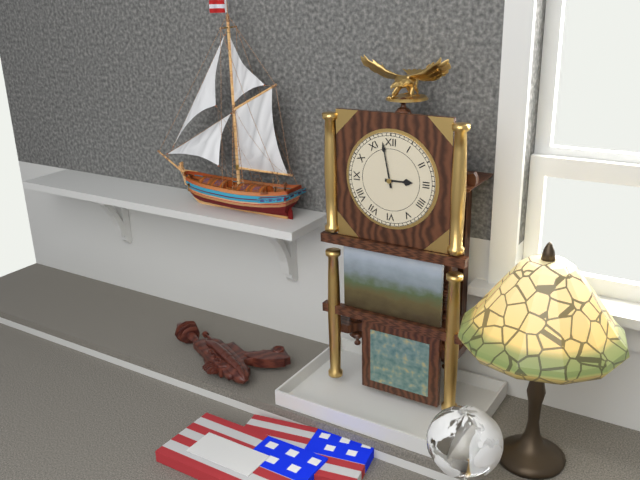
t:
**2:58**
